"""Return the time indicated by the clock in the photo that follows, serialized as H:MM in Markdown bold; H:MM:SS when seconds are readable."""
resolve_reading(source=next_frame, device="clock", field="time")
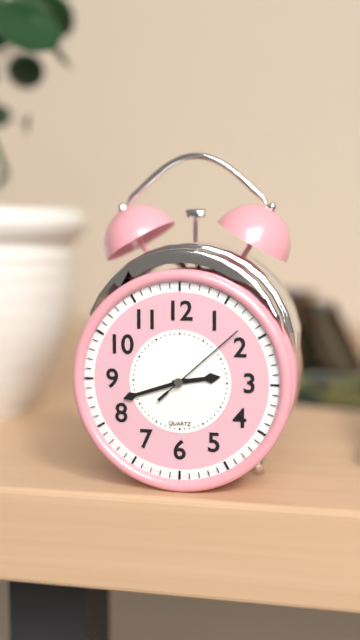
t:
**2:42:08**
